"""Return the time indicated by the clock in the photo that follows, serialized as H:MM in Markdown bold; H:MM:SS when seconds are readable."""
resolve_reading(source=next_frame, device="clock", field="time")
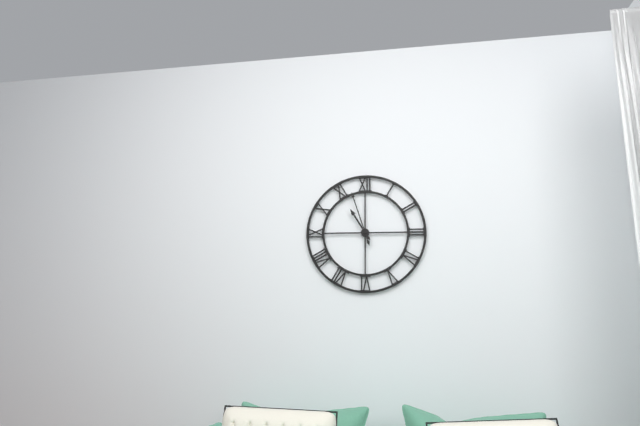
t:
**10:57**
